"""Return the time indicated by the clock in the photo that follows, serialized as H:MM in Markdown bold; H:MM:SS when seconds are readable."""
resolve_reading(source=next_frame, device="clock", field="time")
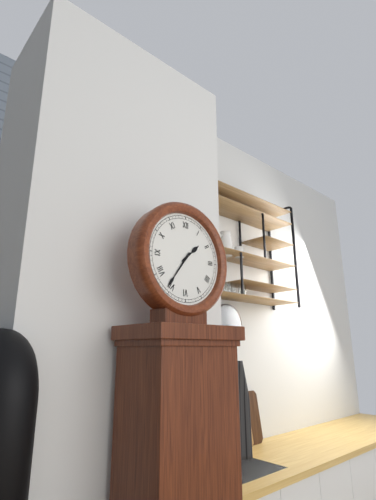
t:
**1:36**
